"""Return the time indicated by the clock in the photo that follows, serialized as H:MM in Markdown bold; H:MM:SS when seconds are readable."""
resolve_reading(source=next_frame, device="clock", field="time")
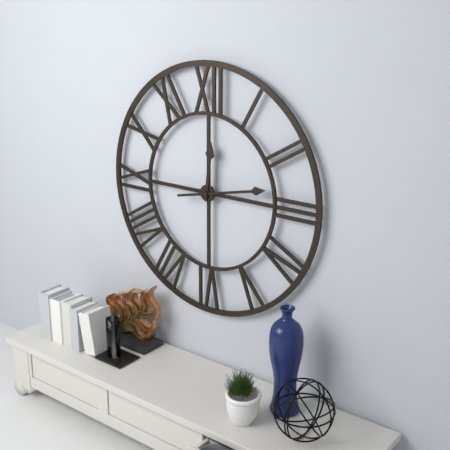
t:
**12:13**
